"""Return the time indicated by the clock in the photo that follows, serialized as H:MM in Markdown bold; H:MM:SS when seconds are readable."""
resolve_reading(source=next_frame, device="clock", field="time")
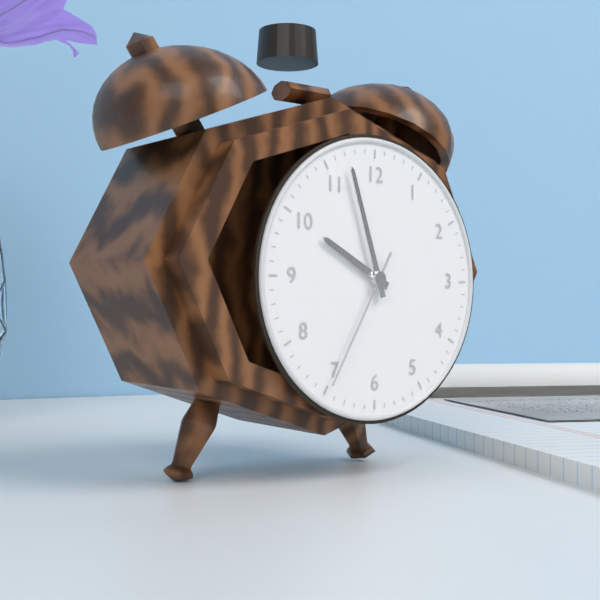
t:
**9:57:35**
